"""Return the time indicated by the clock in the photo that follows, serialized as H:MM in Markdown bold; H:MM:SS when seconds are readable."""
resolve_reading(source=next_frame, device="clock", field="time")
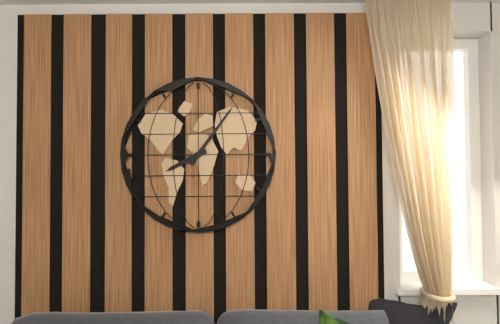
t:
**8:06**
